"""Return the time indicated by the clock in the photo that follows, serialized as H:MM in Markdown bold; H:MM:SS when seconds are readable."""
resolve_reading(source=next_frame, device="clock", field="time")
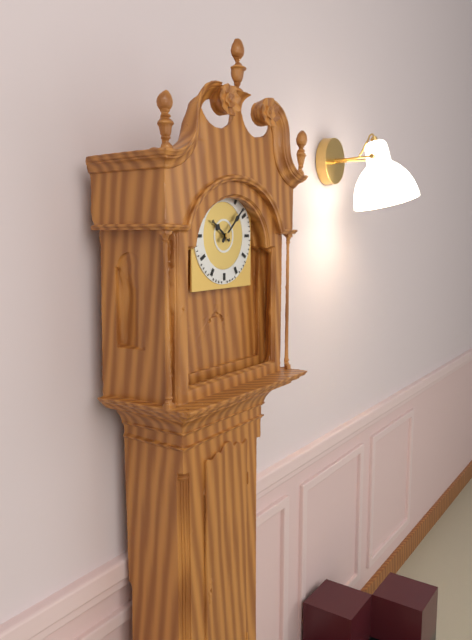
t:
**10:08**
